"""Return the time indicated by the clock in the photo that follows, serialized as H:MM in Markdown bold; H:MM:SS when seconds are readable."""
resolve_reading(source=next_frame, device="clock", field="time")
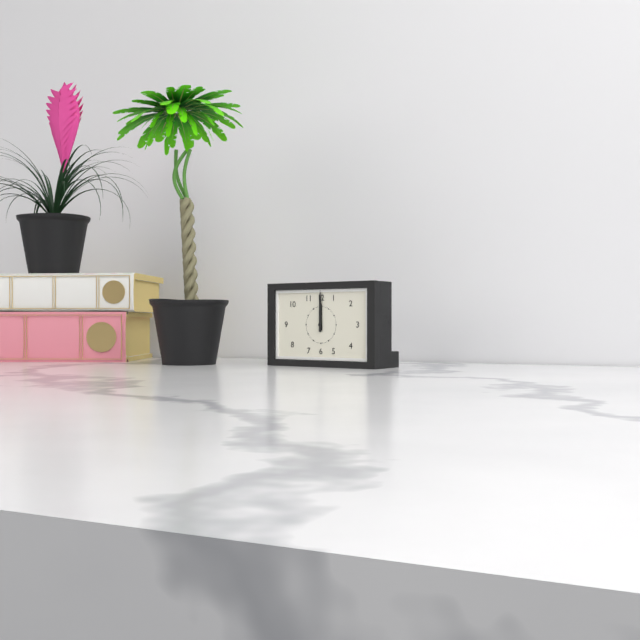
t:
**12:00**
